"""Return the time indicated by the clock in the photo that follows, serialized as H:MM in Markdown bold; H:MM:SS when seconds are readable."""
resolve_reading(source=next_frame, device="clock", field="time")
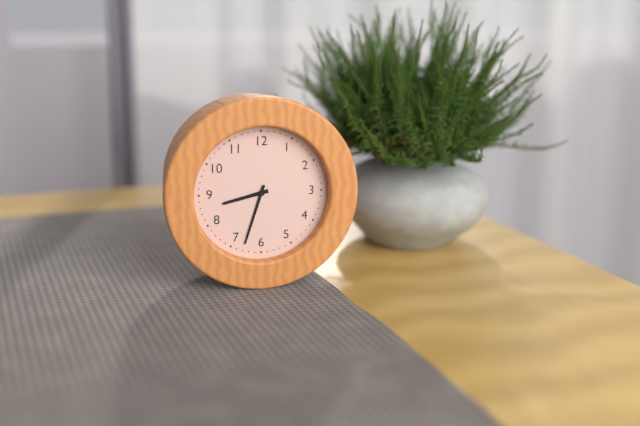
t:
**8:33**
